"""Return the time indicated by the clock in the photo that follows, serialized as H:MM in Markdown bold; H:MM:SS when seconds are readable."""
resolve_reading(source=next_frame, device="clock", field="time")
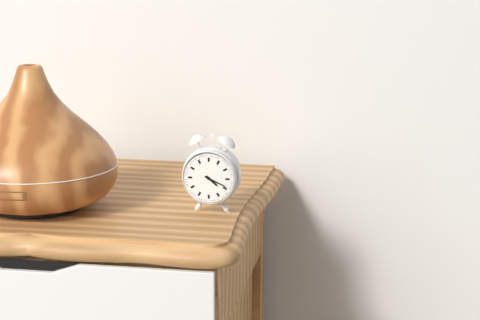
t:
**4:19**
